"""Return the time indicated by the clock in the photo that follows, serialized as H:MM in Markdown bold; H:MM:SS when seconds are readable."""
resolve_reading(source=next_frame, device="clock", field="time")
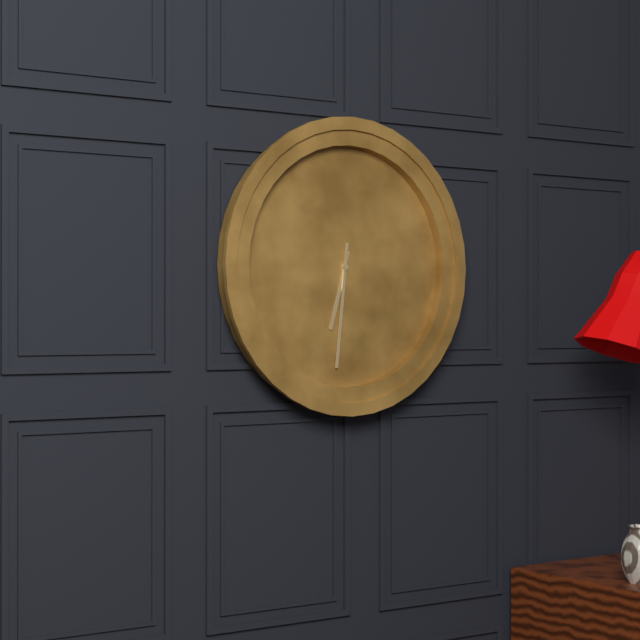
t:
**6:31**
